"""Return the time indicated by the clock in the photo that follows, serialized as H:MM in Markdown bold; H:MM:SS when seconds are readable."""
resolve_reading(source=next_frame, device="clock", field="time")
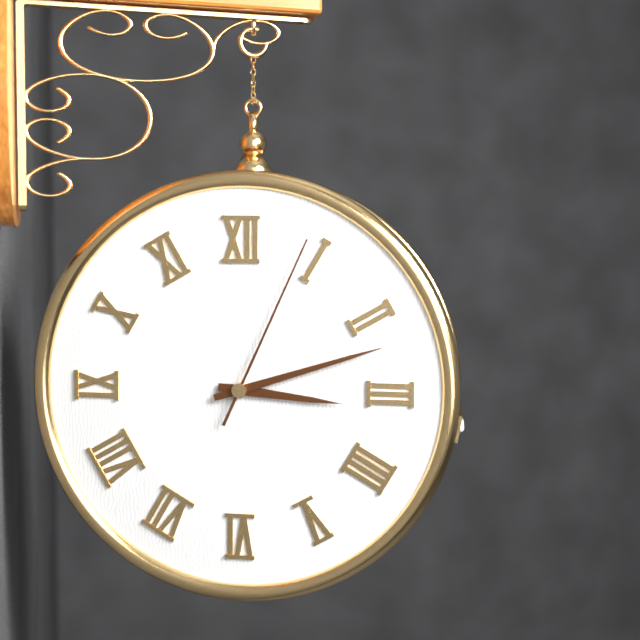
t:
**3:12:04**
